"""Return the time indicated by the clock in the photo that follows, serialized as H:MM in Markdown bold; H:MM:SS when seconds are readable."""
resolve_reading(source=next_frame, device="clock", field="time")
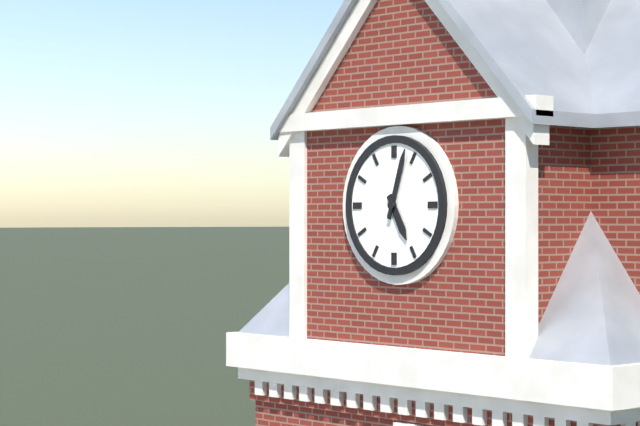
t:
**5:03**
